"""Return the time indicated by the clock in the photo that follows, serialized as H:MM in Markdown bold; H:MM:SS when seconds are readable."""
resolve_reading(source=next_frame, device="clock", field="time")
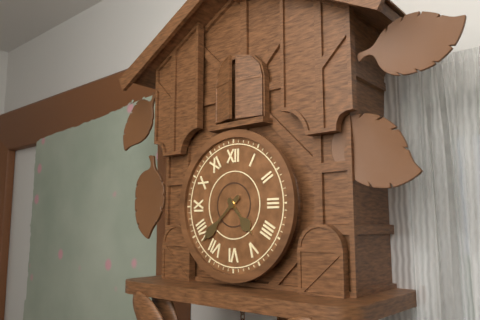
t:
**4:38**
